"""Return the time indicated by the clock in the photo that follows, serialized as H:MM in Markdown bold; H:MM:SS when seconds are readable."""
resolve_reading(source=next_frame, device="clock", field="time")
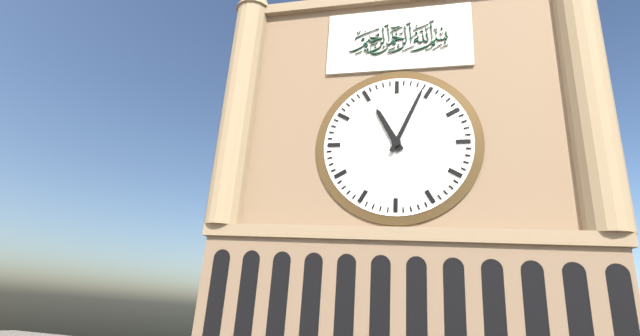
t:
**11:04**
